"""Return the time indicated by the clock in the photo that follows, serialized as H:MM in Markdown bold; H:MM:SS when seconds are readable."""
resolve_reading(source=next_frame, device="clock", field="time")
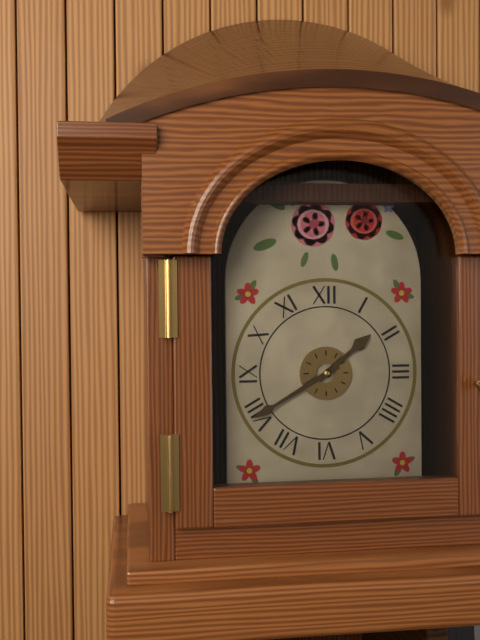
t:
**1:40**
